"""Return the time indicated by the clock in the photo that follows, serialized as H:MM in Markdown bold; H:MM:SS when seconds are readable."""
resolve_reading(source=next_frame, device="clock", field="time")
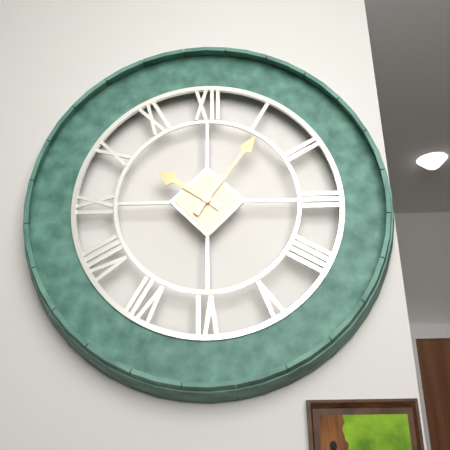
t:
**10:06**
